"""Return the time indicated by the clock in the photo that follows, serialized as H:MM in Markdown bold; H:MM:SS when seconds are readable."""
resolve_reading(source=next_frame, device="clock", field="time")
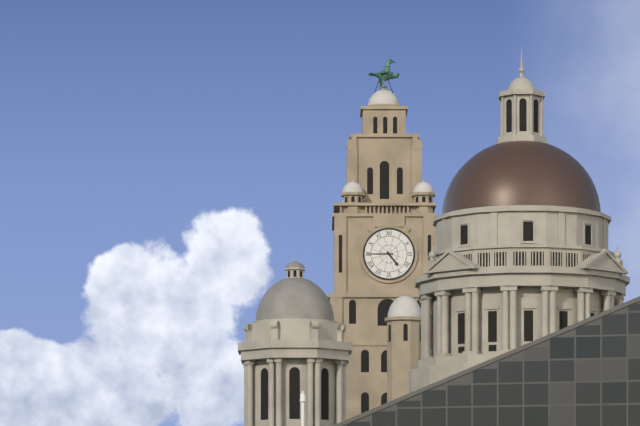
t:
**4:45**
